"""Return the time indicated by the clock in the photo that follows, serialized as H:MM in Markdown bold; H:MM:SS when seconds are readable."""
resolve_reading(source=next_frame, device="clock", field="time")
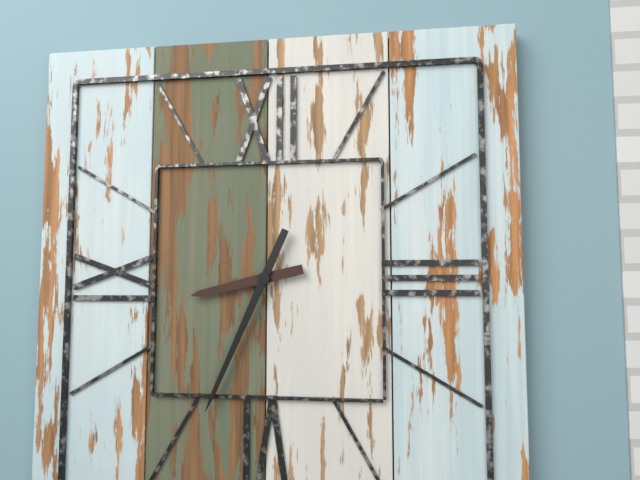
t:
**8:34**
